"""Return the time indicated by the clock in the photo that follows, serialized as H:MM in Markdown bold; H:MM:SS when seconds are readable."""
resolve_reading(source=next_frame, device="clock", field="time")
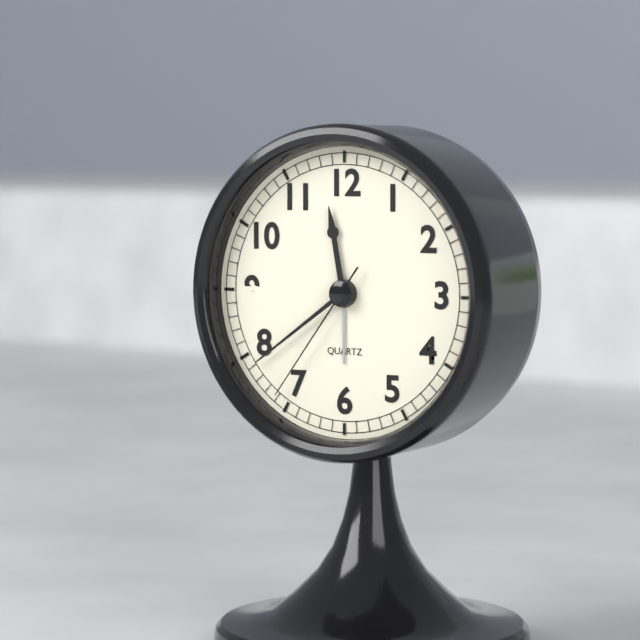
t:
**11:39:36**
